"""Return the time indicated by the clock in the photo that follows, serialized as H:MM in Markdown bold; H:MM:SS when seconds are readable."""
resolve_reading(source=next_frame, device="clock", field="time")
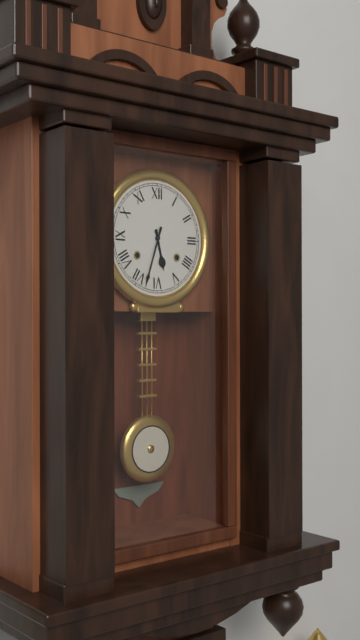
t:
**5:33**
